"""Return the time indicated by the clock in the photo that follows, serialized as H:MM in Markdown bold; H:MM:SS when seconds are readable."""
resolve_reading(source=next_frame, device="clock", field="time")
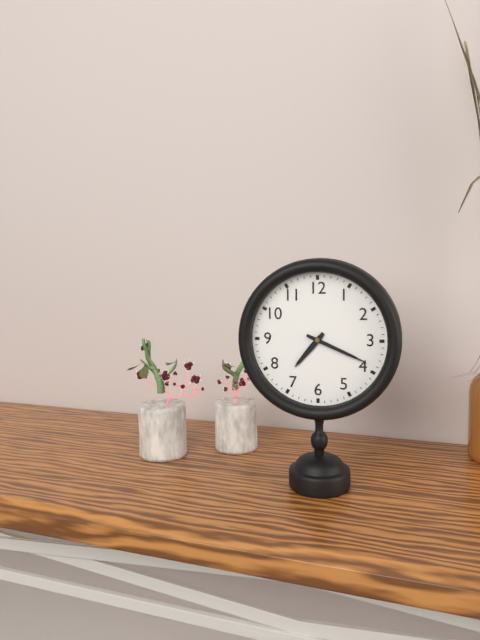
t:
**7:19**
